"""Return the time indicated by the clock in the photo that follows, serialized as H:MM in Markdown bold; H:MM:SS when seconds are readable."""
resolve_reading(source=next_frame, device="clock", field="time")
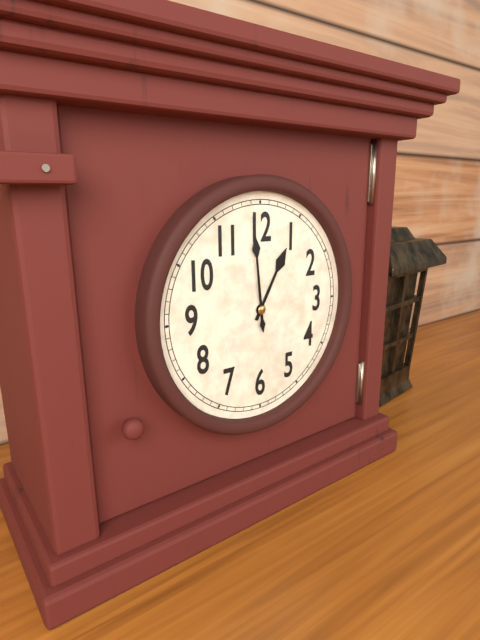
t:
**12:59**
